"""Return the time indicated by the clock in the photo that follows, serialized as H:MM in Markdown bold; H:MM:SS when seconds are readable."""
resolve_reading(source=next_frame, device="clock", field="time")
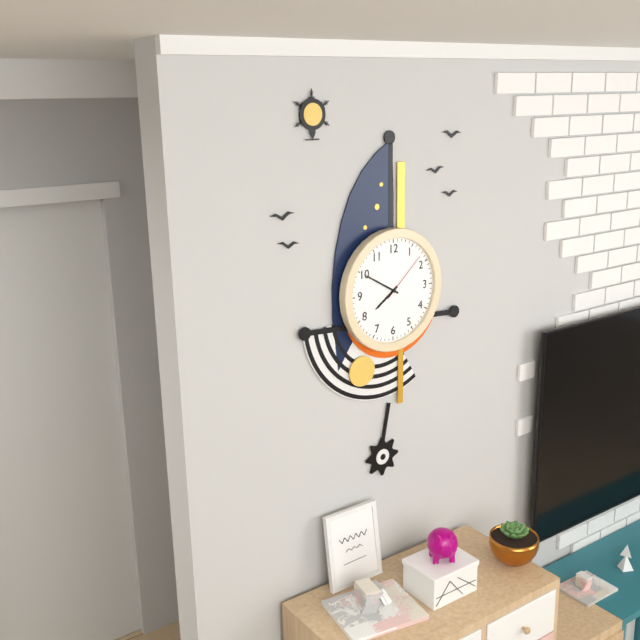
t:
**7:50:08**
